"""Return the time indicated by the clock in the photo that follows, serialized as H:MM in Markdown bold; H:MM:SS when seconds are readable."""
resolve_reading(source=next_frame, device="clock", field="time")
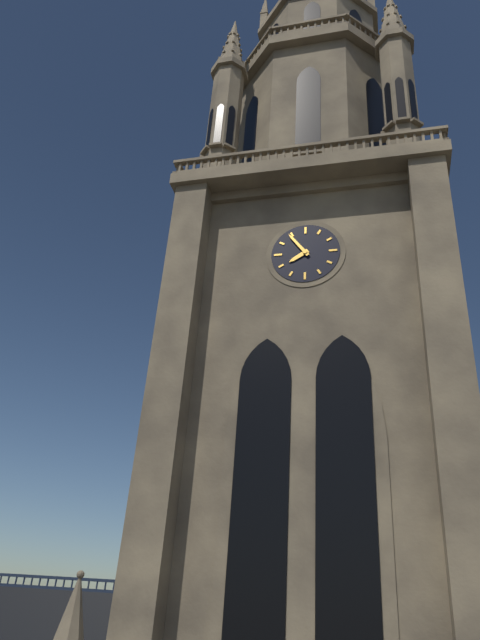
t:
**7:54**
